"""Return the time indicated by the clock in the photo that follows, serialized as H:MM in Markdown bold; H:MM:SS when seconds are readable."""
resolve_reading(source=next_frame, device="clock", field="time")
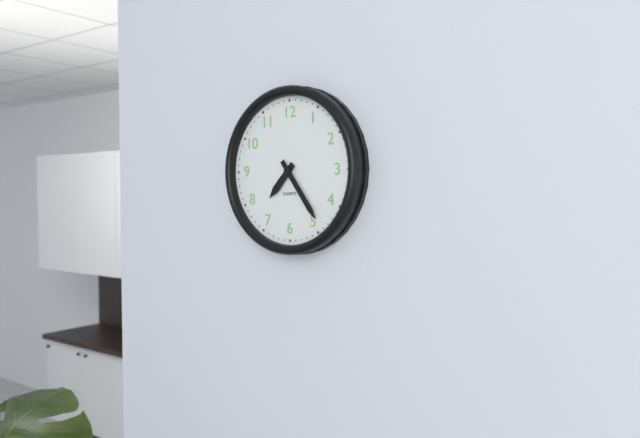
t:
**7:24**
